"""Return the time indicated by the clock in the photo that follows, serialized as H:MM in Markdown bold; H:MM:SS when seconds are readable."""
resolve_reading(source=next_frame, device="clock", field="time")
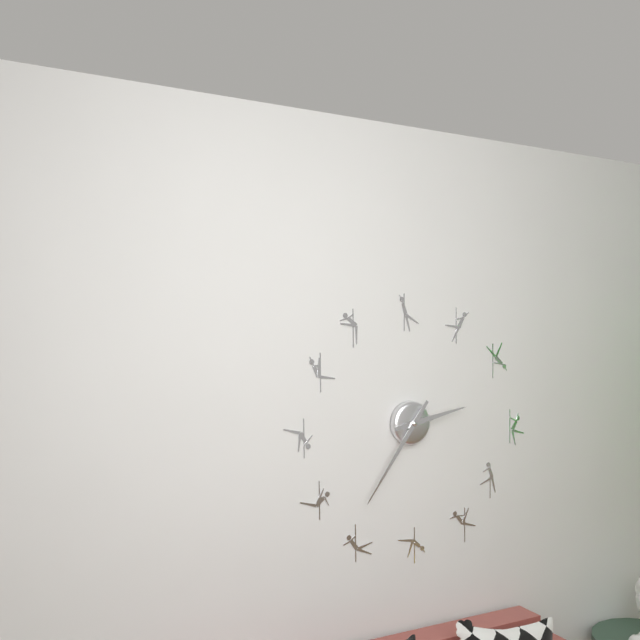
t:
**2:36**
